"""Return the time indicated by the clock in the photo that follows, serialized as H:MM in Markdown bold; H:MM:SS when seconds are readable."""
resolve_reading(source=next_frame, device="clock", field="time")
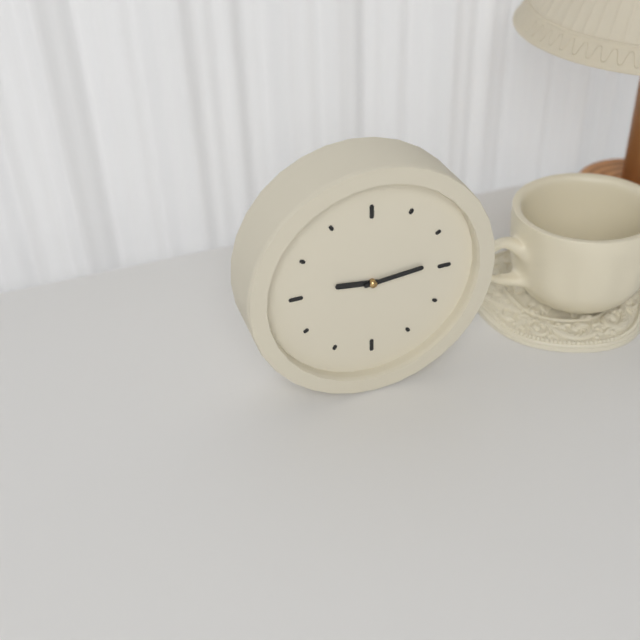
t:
**9:14**
